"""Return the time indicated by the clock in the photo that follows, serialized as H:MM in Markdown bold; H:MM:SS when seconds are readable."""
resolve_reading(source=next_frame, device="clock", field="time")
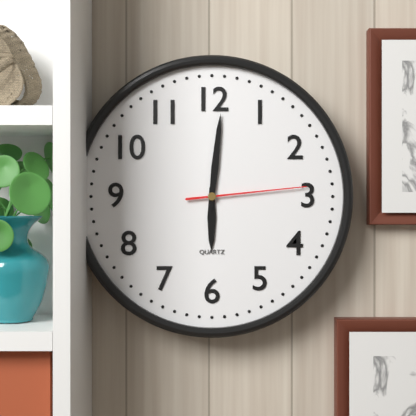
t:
**6:01:14**
